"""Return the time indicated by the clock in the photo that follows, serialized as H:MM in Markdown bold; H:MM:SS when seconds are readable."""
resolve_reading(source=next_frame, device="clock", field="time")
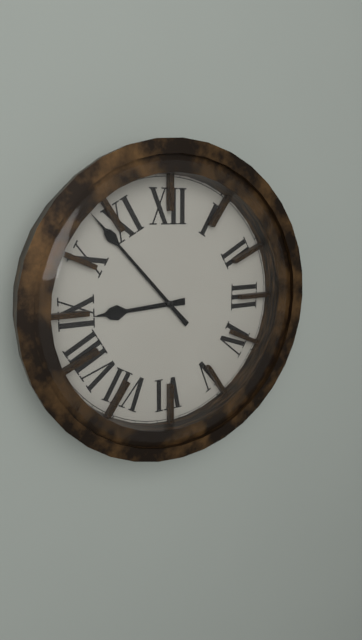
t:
**8:53**
